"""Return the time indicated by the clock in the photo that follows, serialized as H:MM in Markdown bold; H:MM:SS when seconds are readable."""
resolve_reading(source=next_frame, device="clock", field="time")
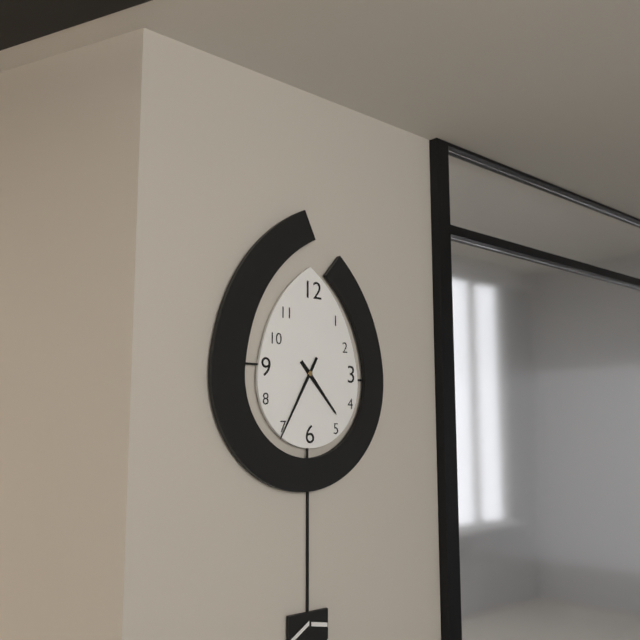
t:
**4:35**
